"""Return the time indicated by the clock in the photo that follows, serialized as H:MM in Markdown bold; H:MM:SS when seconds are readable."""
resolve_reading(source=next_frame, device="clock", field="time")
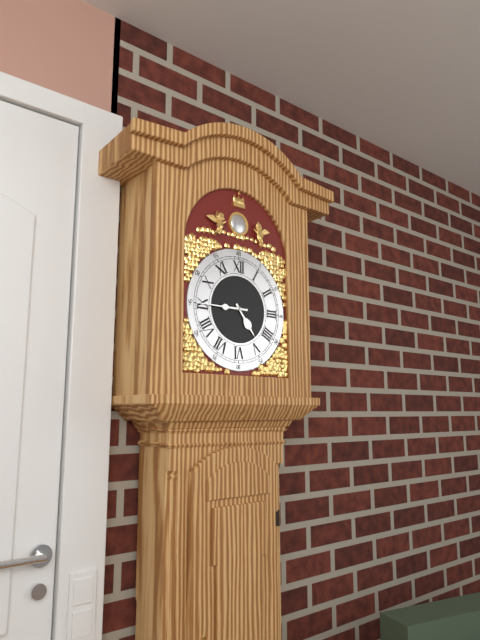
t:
**4:45**
